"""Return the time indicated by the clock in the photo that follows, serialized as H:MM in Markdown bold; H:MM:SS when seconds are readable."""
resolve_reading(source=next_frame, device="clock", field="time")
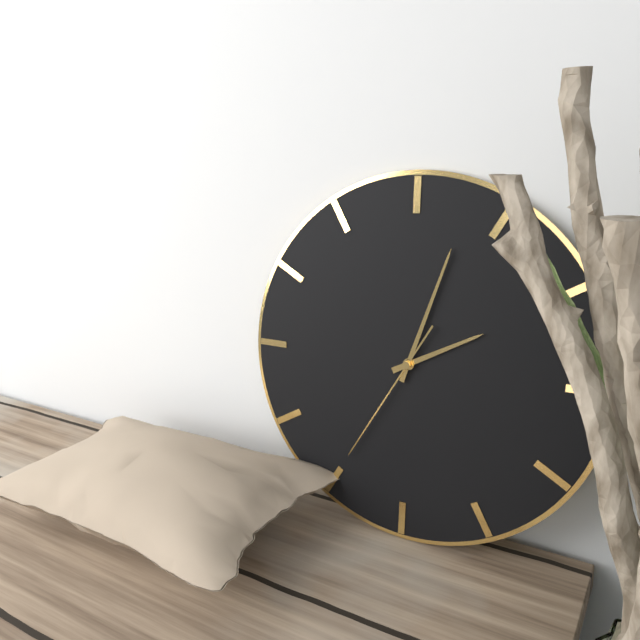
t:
**2:03:35**
